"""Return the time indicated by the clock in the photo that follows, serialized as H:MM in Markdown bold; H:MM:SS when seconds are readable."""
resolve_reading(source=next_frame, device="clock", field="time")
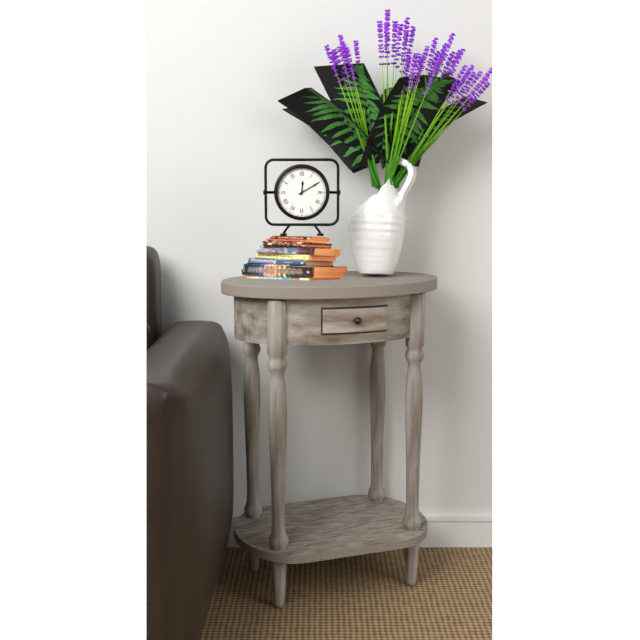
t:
**12:10**
